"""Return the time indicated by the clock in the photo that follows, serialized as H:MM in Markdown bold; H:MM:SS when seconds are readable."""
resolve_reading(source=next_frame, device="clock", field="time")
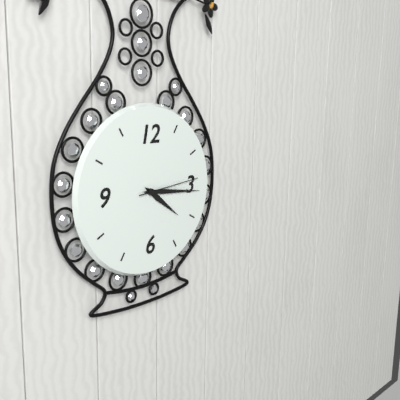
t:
**4:16:14**
